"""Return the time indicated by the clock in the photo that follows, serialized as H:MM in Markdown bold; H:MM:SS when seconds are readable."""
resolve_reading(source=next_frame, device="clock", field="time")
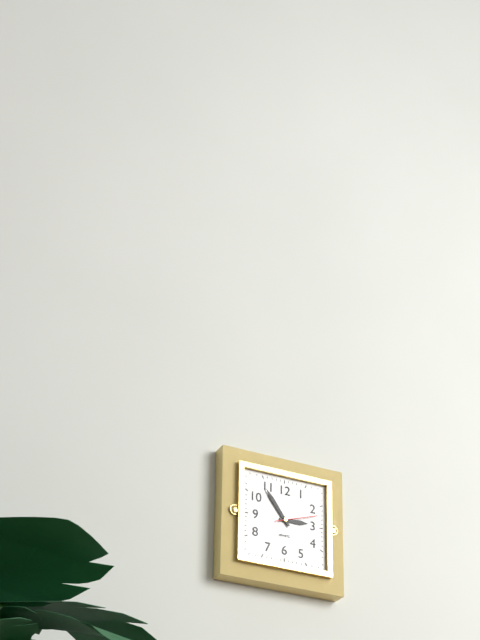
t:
**2:54**
